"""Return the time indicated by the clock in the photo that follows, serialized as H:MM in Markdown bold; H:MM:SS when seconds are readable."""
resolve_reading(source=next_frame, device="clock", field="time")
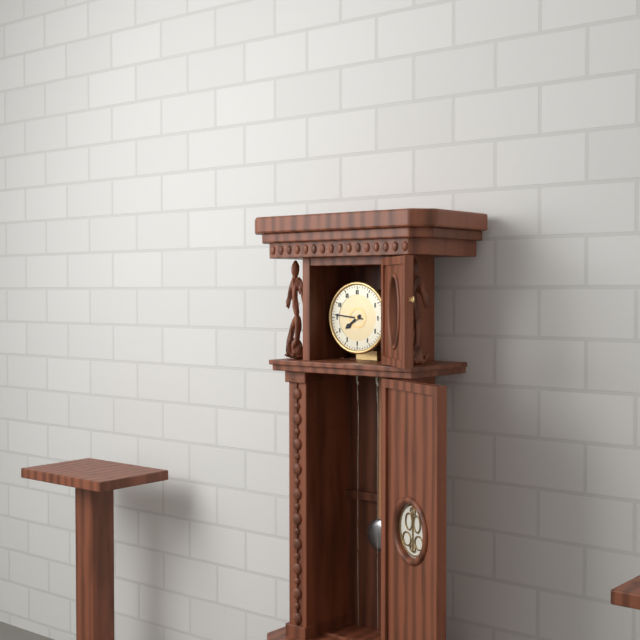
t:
**7:46**
